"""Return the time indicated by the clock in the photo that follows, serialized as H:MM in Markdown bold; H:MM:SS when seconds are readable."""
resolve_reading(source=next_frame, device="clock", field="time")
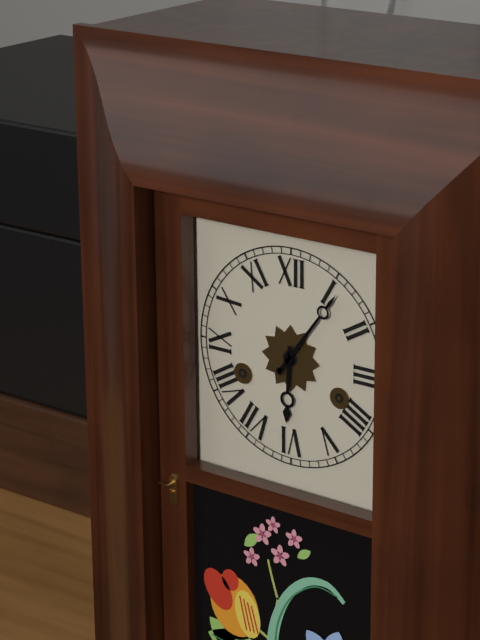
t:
**6:06**
